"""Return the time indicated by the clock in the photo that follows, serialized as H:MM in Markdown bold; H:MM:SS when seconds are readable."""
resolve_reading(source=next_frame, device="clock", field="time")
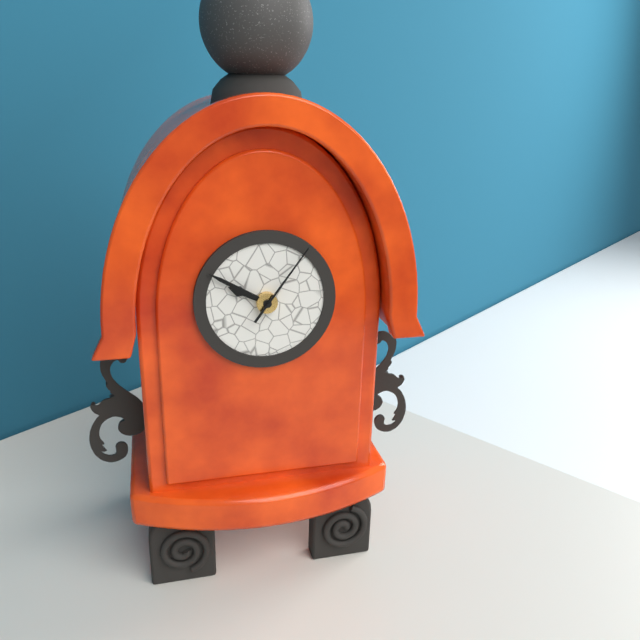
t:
**9:50:06**
